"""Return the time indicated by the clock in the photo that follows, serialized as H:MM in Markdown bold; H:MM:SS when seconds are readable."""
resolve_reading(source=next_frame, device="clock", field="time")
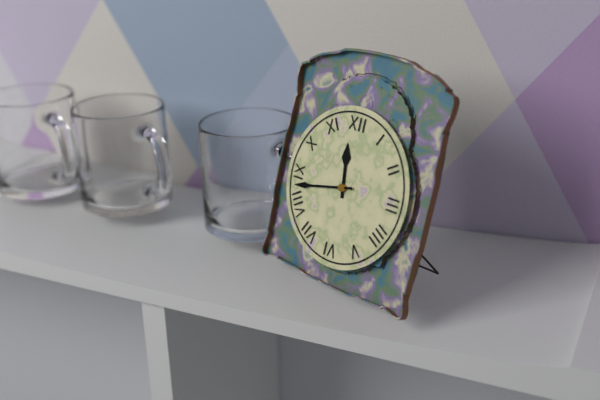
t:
**11:43**
